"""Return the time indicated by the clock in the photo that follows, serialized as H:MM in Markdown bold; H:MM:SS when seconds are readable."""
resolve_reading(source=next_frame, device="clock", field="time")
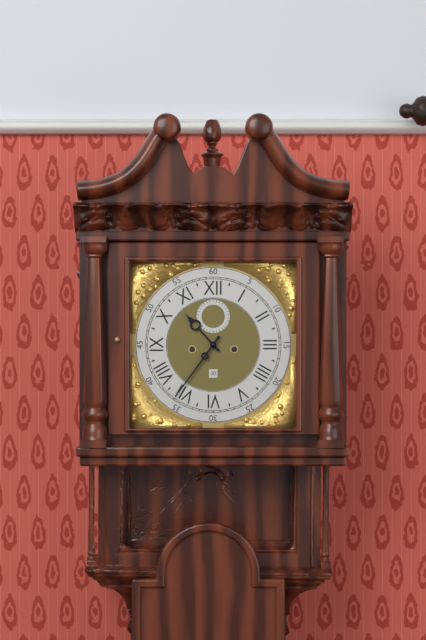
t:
**10:36**
